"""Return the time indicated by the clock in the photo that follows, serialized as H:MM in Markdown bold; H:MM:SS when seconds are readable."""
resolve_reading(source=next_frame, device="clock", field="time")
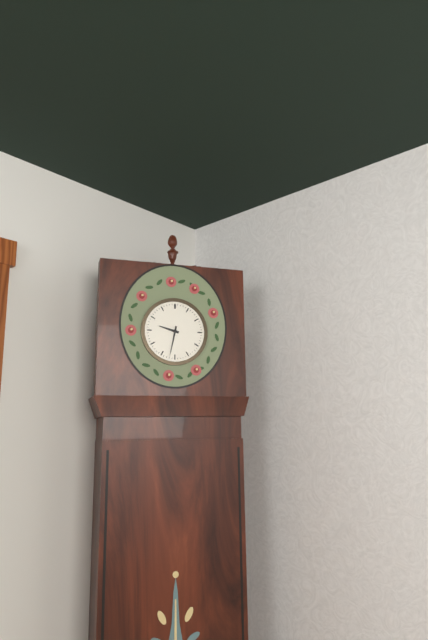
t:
**9:32**
